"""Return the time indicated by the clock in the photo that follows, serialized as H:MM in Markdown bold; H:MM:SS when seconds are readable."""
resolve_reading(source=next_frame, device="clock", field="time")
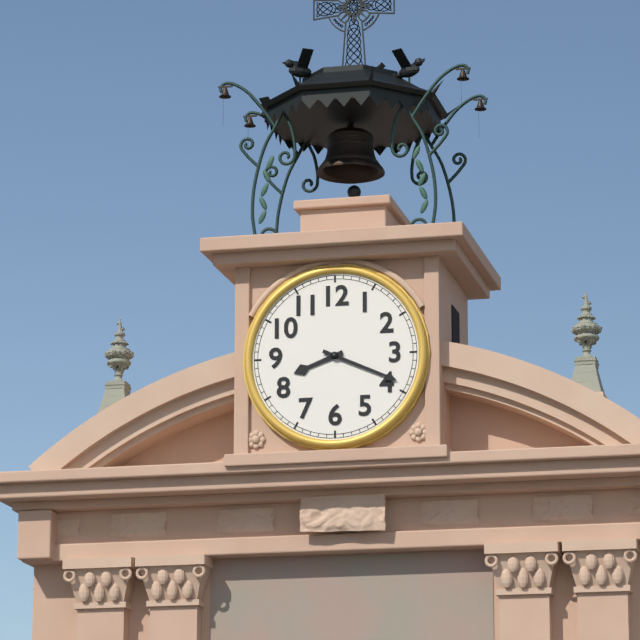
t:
**8:19**
